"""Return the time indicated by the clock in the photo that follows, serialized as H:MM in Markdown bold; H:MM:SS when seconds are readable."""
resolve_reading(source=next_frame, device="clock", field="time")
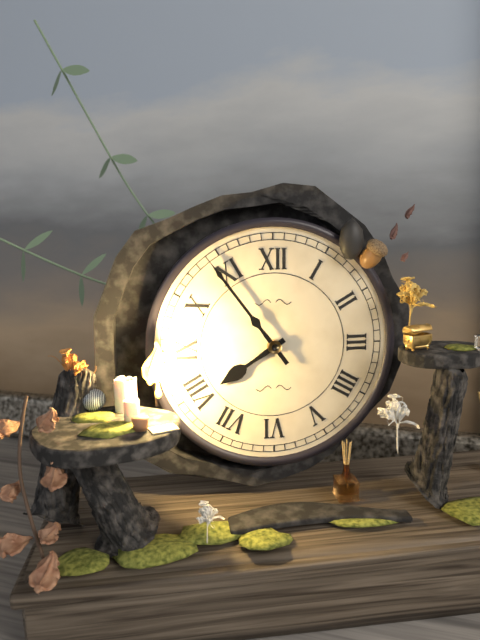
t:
**7:54**
